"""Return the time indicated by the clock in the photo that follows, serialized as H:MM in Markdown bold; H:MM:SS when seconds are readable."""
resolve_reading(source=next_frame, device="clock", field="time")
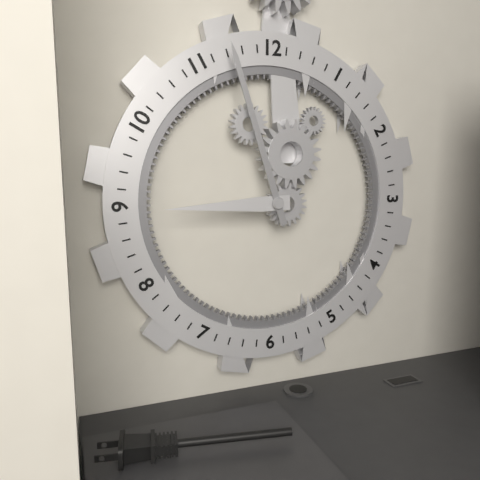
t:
**8:57**
